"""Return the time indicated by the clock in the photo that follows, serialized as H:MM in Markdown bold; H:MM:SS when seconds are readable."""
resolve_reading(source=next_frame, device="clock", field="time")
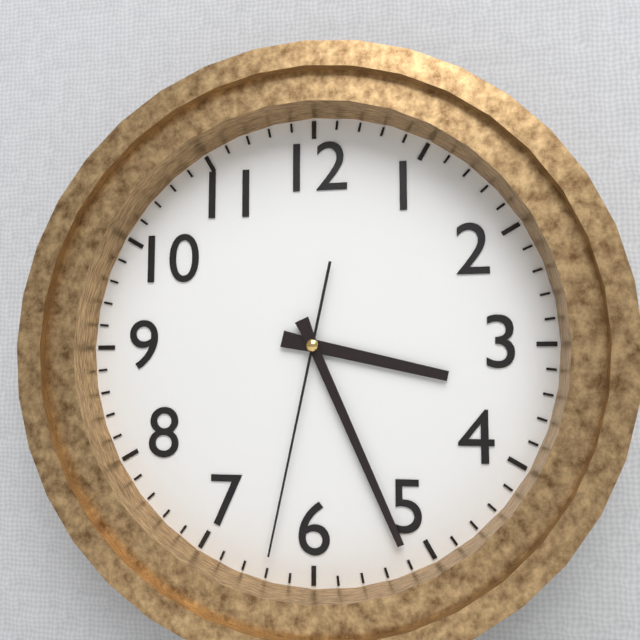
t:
**3:26:32**
